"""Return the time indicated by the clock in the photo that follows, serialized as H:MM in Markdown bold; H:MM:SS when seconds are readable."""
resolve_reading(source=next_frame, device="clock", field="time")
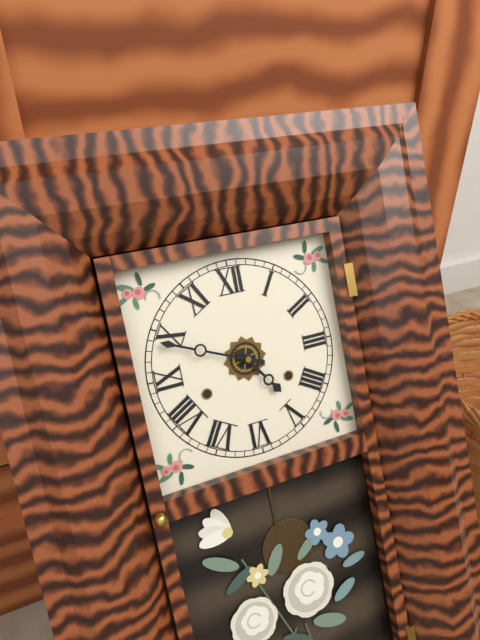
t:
**4:49**
